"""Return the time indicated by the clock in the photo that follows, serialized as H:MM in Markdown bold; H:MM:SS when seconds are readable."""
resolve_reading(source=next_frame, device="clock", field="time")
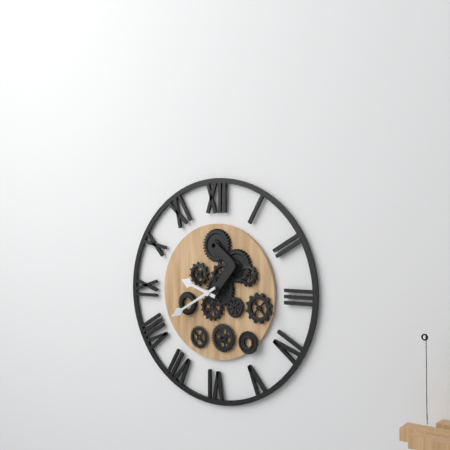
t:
**9:40**
